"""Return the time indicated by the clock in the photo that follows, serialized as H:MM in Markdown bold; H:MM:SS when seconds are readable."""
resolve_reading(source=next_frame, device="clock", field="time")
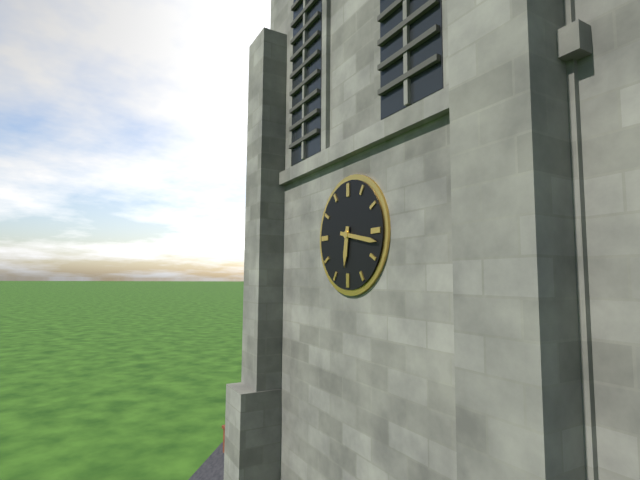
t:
**6:17**
